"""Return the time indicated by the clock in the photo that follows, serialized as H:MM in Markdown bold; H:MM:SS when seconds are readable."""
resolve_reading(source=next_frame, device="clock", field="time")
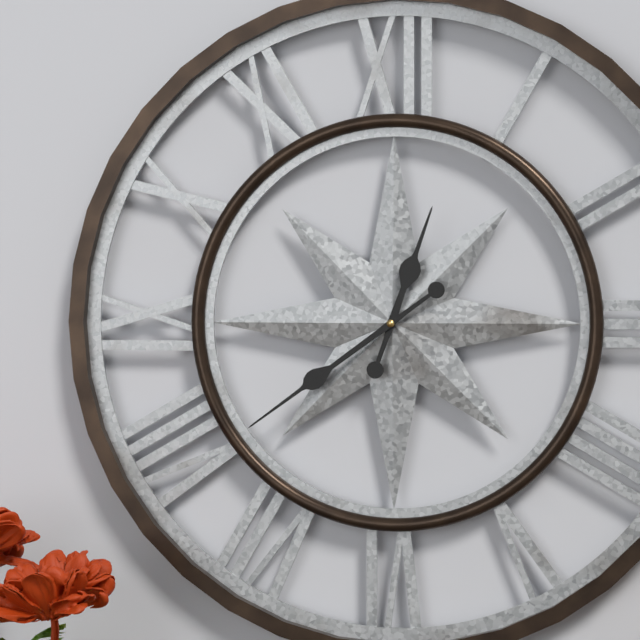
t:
**12:39**
